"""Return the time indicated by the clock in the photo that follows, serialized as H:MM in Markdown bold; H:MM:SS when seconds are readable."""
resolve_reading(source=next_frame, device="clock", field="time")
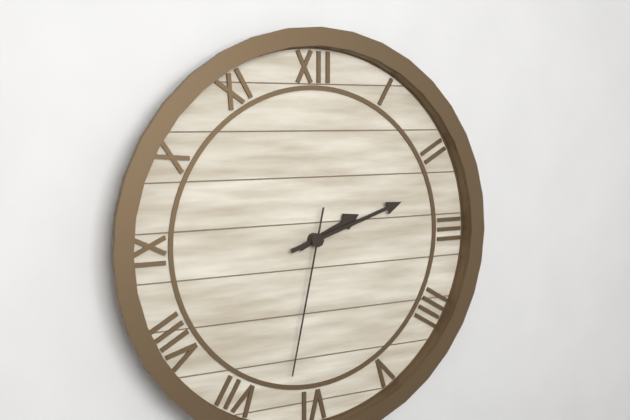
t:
**2:12:32**
